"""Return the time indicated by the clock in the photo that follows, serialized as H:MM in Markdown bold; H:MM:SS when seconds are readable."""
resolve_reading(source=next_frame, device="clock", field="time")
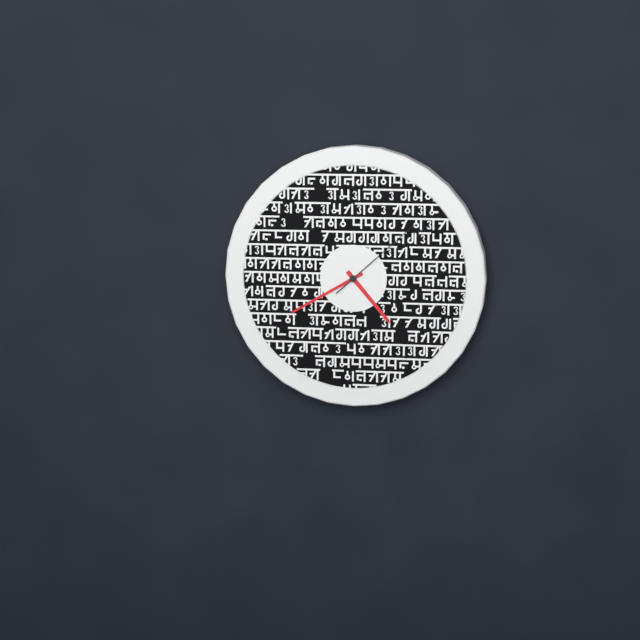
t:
**4:40:08**
